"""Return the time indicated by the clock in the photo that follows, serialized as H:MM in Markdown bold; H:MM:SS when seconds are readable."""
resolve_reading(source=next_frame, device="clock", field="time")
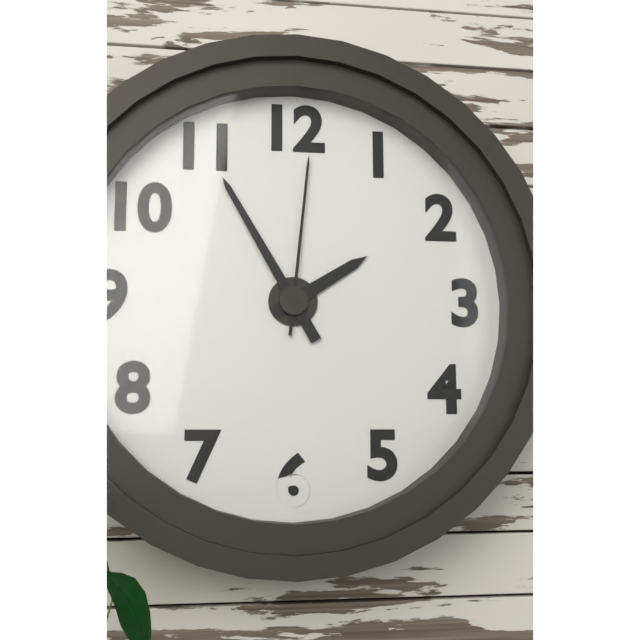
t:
**1:55:01**
